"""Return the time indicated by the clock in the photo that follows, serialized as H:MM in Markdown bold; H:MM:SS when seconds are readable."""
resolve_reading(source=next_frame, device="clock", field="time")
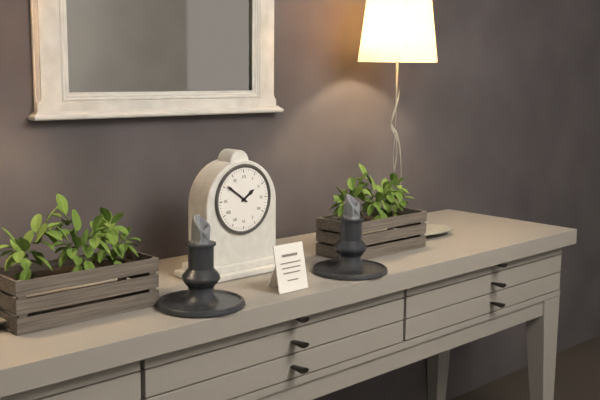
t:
**1:51**
